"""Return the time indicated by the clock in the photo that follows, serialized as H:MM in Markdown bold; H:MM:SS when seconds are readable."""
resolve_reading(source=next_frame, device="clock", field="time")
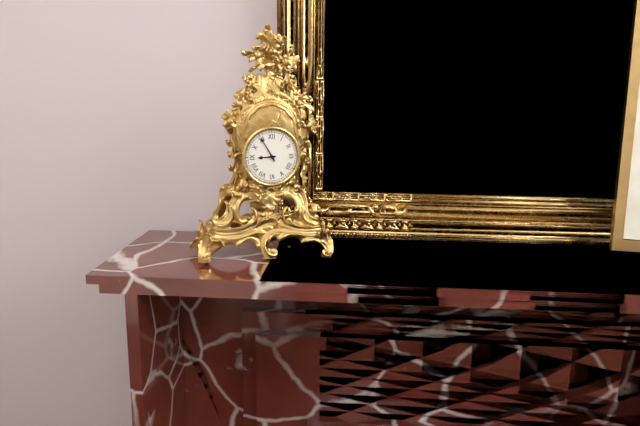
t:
**8:55**
